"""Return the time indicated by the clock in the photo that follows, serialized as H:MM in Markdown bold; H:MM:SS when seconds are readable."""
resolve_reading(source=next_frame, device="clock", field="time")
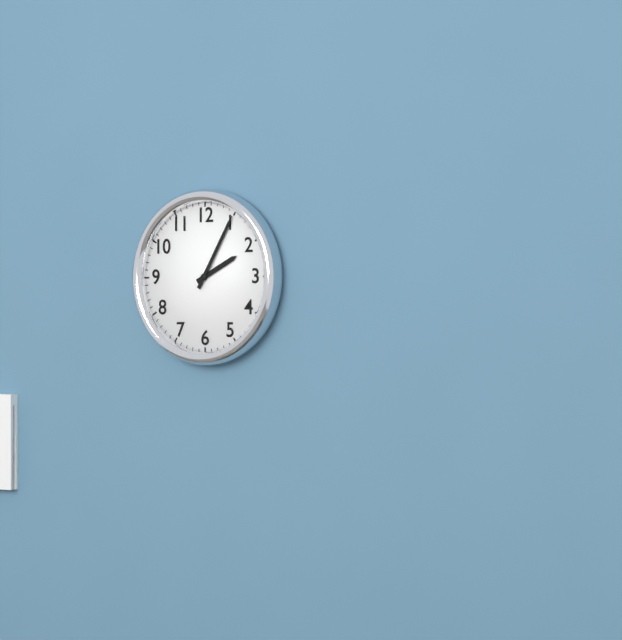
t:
**2:05**
